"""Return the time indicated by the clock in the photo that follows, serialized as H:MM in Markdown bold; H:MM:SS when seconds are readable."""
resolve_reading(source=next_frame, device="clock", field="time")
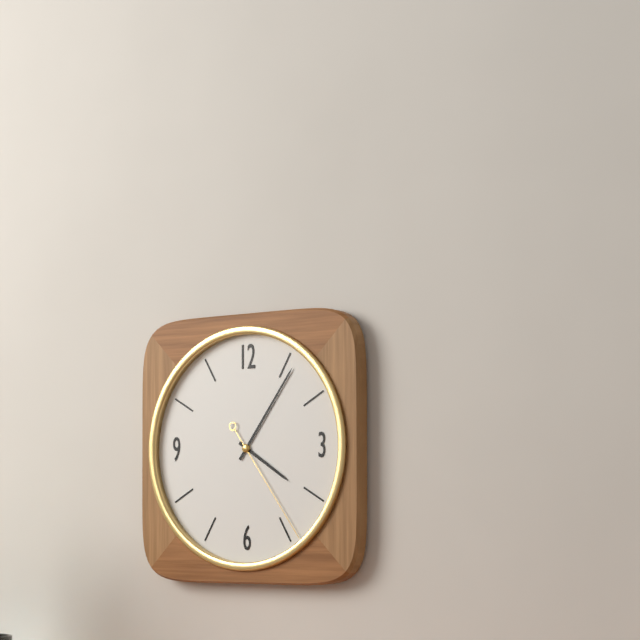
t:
**4:06:24**
